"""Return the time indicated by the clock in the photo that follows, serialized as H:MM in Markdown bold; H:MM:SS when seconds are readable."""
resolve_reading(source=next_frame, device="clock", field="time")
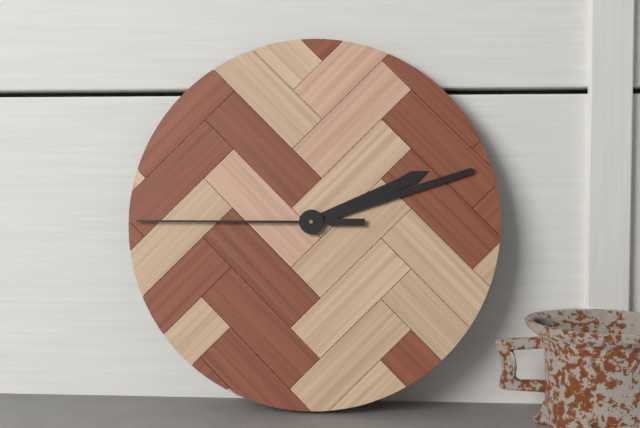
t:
**2:12:45**
